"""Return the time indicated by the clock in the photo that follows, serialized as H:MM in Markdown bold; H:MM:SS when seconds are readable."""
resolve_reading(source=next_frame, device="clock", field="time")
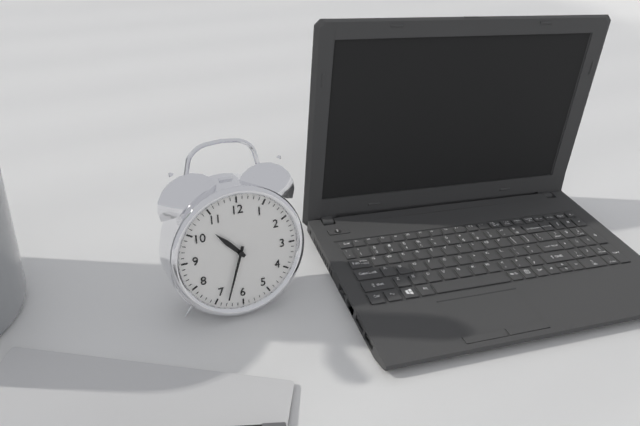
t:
**10:33**
